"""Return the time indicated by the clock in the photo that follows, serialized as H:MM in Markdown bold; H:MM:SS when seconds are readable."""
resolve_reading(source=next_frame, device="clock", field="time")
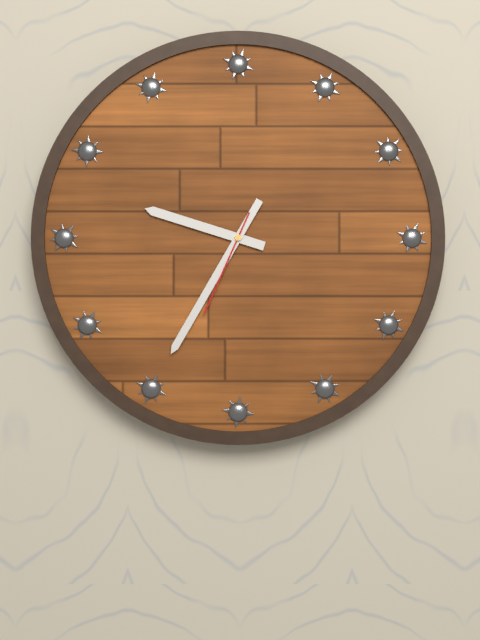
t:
**9:35:34**
